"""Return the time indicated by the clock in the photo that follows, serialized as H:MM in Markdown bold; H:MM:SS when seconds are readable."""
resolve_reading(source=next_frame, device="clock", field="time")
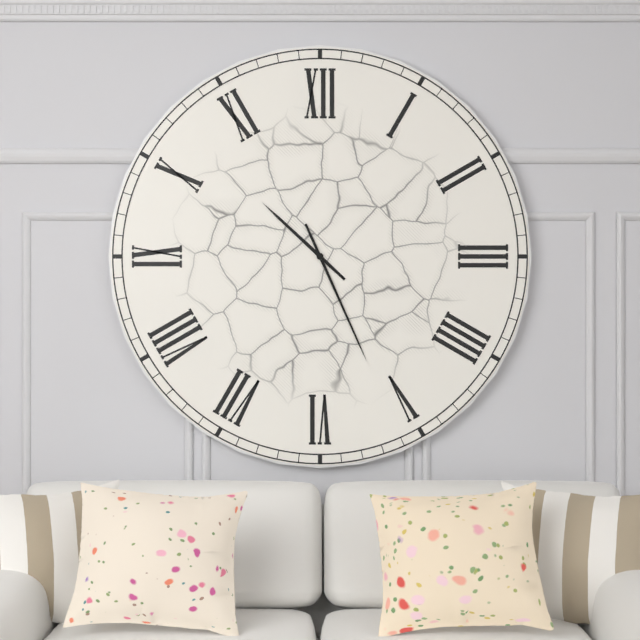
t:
**10:26**
